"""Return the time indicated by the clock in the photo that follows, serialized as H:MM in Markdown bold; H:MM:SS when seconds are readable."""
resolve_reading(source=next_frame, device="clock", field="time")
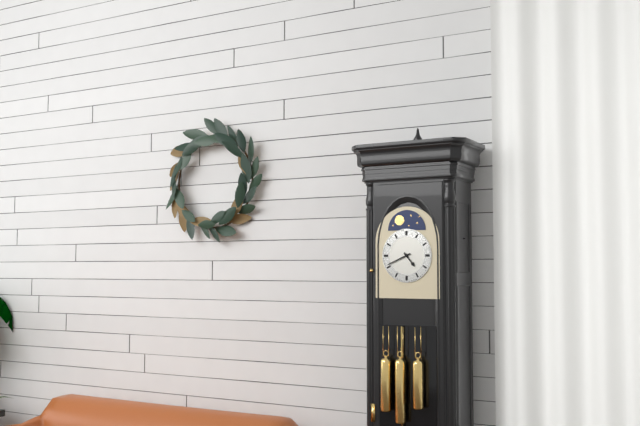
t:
**4:41**
